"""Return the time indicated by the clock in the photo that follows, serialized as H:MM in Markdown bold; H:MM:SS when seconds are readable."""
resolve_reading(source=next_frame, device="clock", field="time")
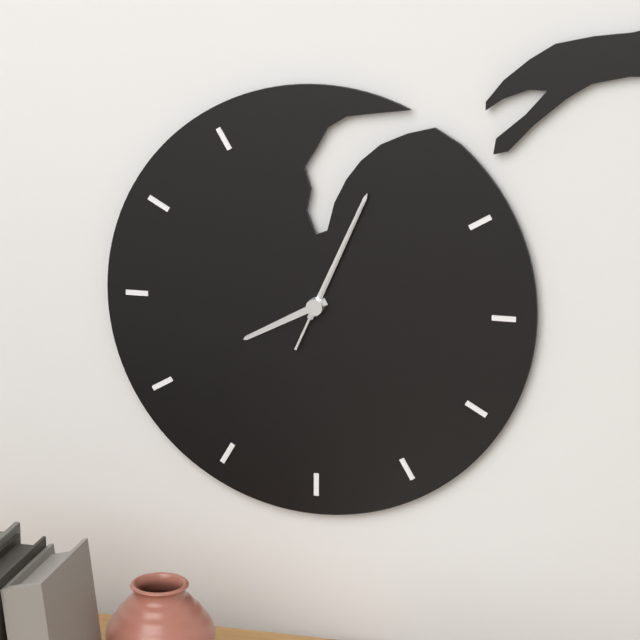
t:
**8:04:04**
